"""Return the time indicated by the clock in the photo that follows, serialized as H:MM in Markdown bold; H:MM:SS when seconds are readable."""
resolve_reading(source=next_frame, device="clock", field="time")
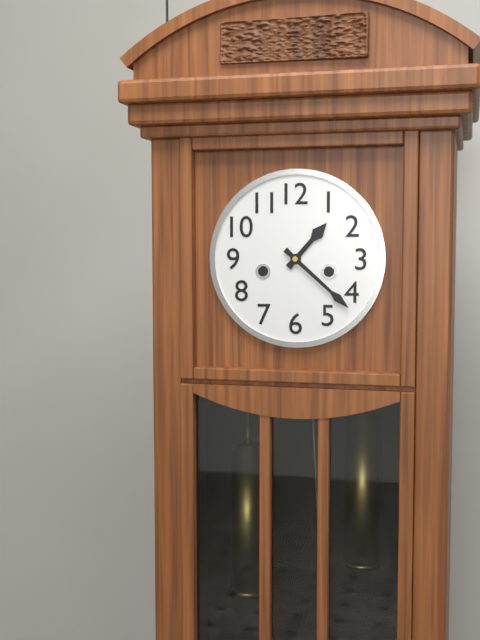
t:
**1:22**
